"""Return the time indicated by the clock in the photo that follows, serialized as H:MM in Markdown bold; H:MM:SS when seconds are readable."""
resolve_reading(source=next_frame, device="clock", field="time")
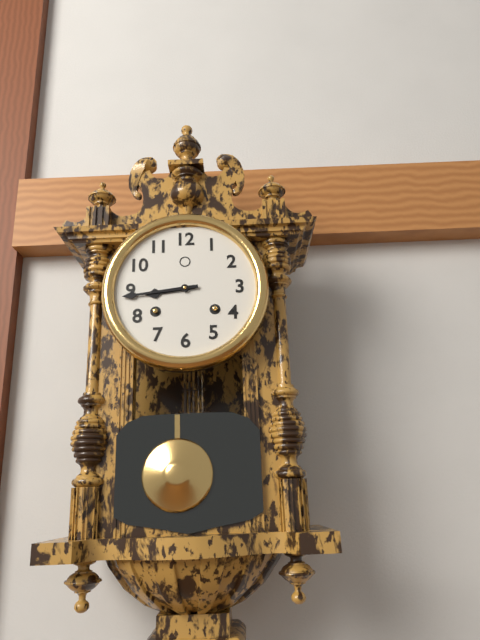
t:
**8:44**
